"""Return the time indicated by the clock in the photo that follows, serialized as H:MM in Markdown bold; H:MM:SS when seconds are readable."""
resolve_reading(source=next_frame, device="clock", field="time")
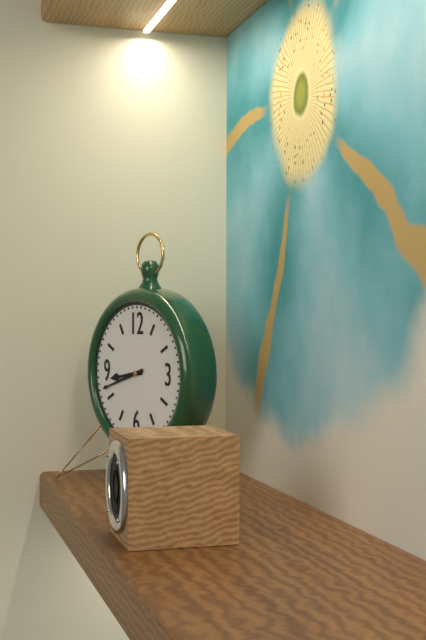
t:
**8:42**
